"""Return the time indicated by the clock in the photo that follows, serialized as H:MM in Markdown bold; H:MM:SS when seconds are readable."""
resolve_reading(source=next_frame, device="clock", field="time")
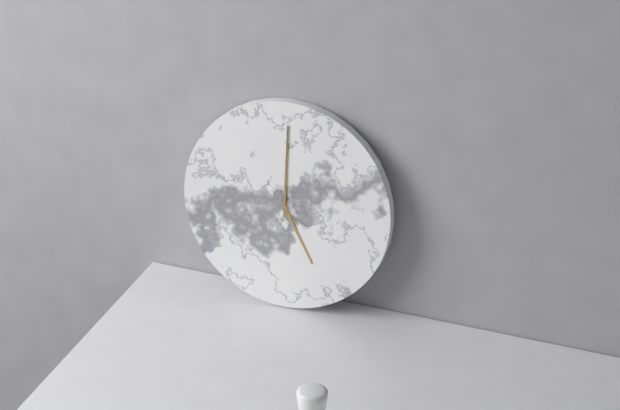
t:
**5:00**
